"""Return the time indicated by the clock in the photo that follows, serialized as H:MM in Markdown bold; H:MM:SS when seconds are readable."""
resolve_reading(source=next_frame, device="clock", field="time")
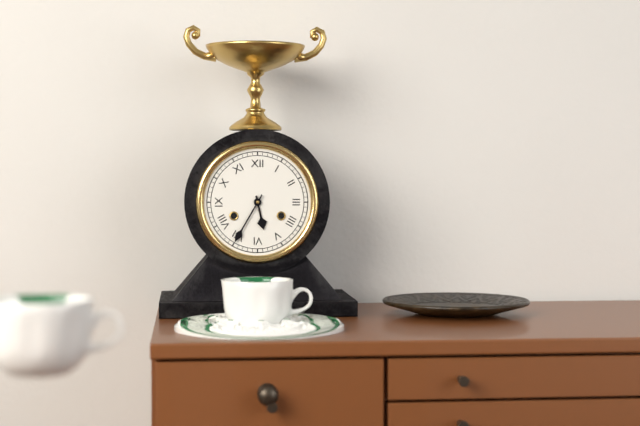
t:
**5:35**
